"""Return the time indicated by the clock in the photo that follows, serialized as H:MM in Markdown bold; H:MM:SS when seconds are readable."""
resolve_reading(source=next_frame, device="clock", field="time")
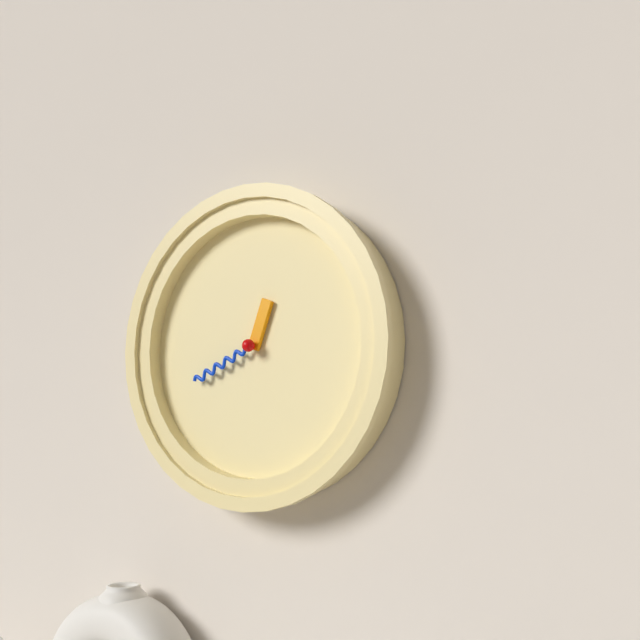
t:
**12:41**
